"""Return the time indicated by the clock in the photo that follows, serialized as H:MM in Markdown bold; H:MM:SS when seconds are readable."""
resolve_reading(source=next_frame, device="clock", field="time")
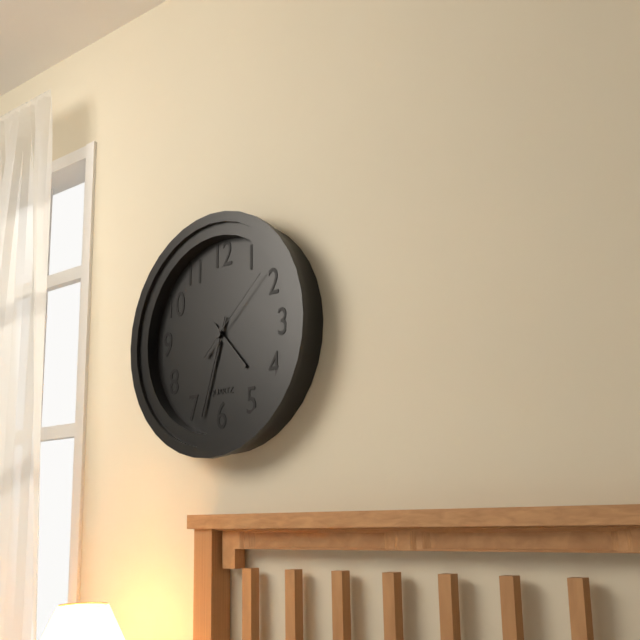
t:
**4:33:08**
